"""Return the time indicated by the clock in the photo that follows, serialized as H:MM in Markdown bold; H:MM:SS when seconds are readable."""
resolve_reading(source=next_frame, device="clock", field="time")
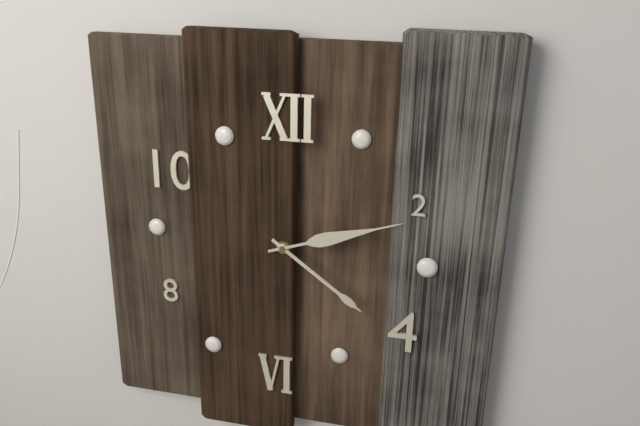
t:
**4:12**
